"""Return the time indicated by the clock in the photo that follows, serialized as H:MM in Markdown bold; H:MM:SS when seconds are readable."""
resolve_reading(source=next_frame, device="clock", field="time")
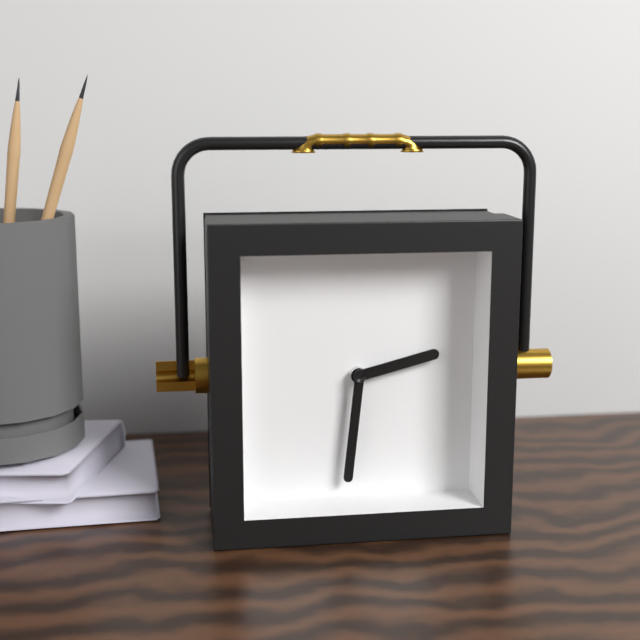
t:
**2:31**
